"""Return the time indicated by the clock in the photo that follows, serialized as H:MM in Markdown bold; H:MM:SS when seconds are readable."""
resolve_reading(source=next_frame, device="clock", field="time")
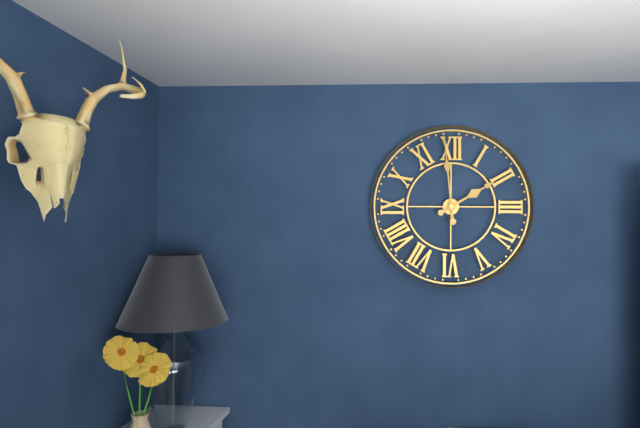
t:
**1:59**
